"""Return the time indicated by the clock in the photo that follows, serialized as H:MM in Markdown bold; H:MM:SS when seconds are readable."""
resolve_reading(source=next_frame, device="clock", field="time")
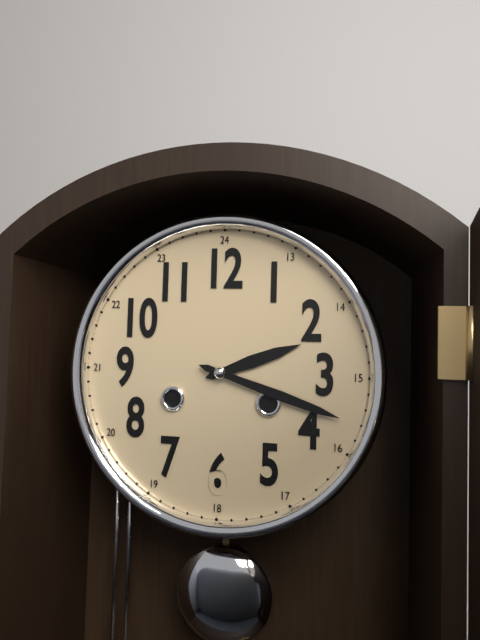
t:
**2:18**
